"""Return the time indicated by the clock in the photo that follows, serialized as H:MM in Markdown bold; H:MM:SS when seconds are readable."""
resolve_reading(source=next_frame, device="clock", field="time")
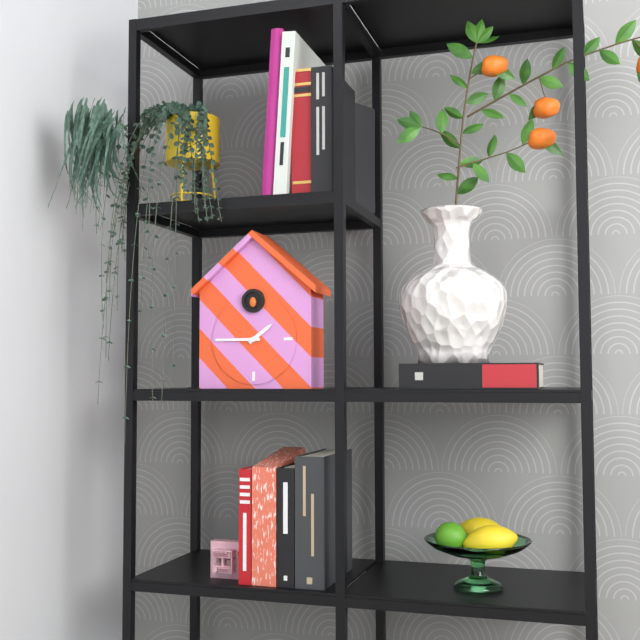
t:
**1:45**
